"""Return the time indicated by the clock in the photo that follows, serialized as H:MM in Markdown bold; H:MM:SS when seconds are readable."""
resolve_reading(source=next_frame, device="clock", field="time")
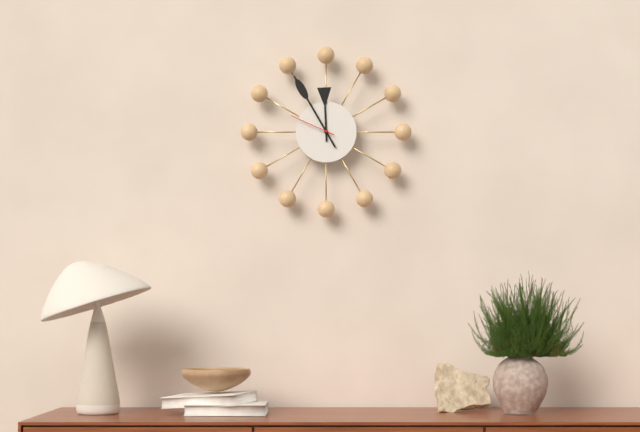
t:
**11:55**
